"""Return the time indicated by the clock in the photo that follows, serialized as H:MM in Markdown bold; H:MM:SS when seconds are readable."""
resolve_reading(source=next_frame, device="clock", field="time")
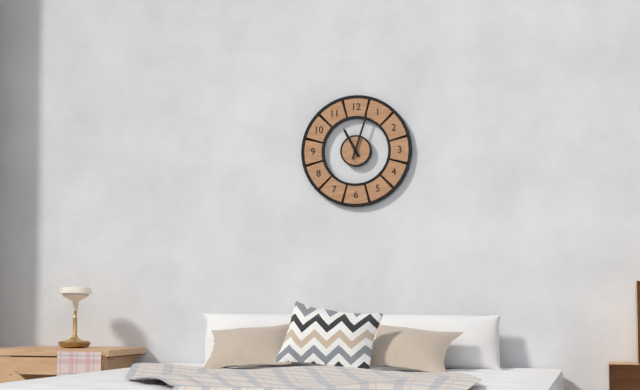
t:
**11:03**
